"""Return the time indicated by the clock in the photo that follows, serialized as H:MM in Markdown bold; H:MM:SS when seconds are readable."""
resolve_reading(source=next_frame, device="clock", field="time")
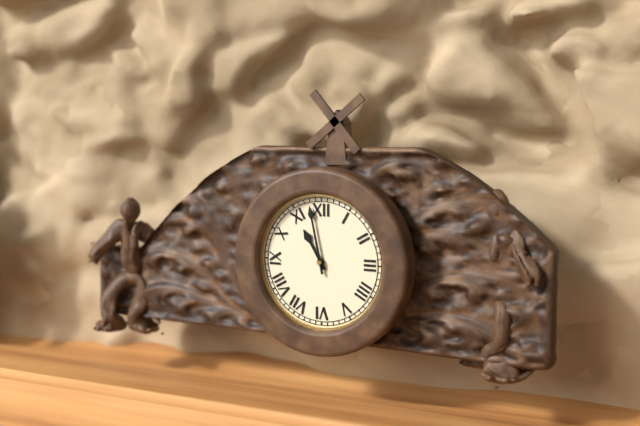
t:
**10:58**
